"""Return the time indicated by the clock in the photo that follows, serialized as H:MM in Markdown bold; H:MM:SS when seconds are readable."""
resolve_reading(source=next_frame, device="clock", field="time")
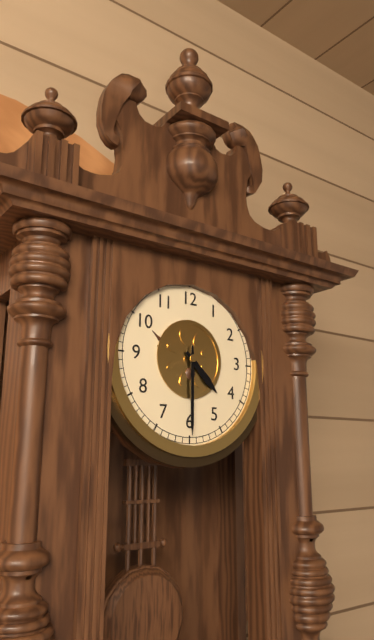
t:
**4:30**
